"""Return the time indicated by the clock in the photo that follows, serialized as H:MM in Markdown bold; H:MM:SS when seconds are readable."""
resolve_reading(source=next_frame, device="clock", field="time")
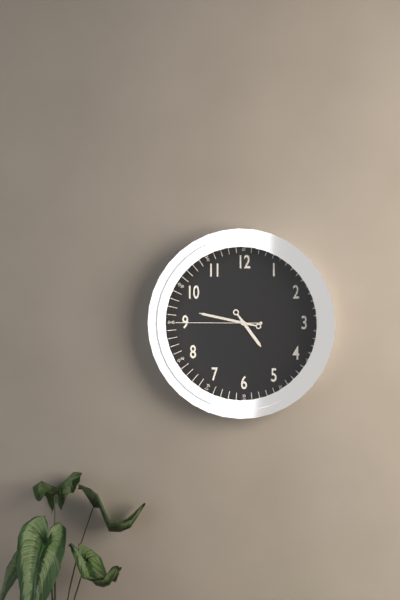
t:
**4:47:45**
